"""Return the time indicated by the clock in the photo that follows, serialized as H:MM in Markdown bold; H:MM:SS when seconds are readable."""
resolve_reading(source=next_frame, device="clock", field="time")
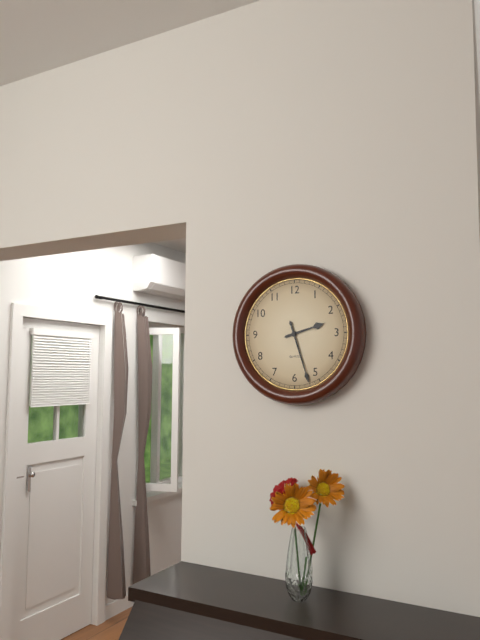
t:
**2:27**
